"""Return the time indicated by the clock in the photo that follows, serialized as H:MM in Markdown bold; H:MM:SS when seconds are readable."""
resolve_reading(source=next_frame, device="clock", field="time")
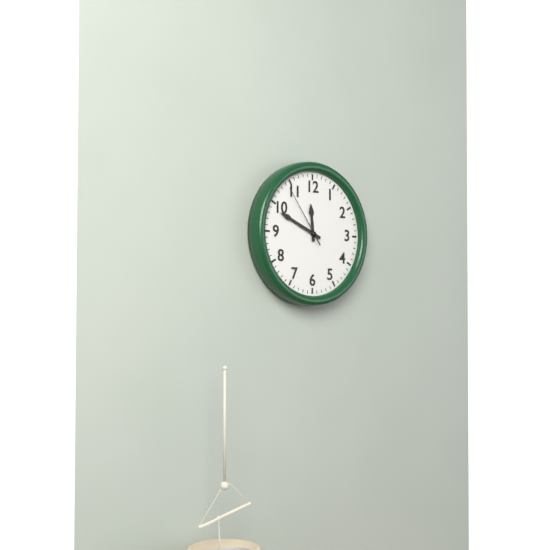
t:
**11:49:54**
